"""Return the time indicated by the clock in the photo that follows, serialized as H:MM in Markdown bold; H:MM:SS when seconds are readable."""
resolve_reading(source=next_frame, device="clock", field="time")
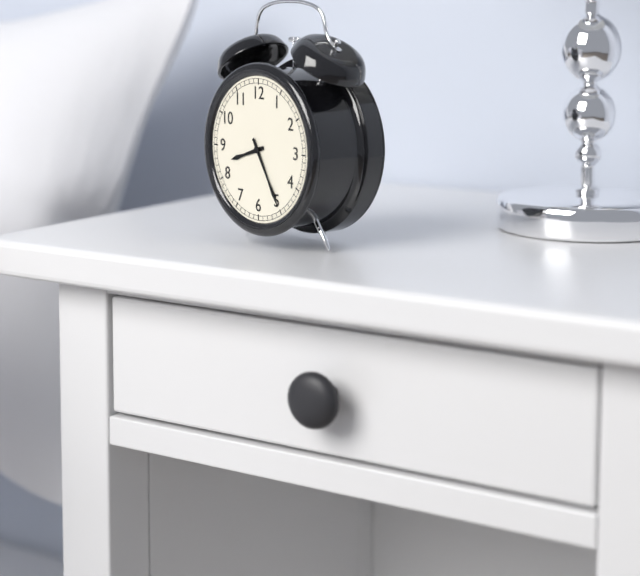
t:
**8:25**
